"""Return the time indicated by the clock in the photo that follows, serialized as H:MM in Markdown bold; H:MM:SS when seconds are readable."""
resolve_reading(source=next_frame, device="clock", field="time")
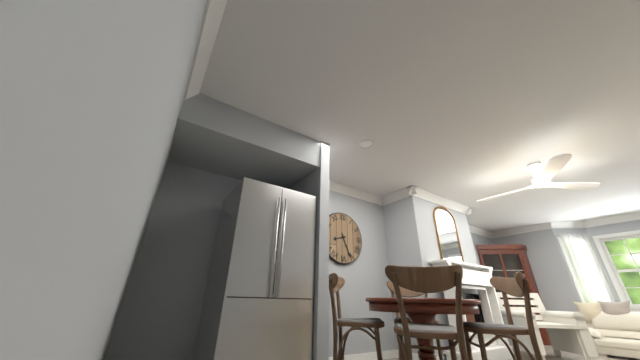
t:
**8:26**
